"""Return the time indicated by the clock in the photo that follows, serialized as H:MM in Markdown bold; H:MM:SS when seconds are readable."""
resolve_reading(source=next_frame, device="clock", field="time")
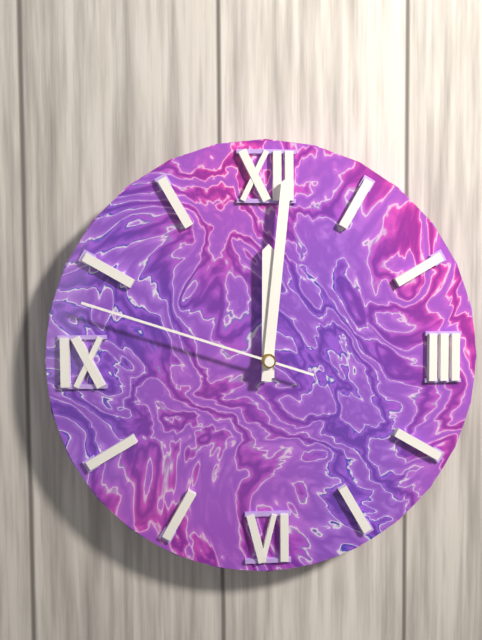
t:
**12:01:48**
